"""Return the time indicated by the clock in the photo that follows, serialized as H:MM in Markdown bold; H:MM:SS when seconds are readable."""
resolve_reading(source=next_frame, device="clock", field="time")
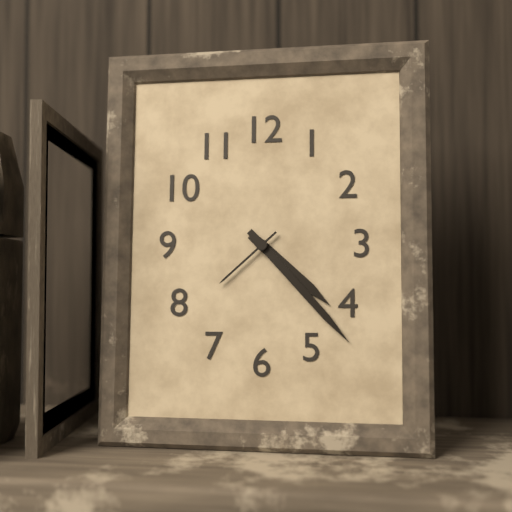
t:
**4:23:38**
